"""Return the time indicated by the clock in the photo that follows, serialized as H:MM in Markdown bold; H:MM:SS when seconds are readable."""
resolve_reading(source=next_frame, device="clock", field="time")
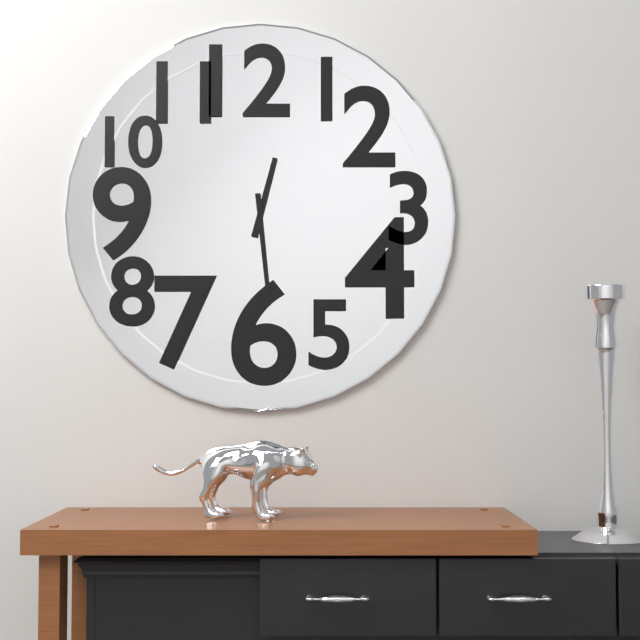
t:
**12:29**
